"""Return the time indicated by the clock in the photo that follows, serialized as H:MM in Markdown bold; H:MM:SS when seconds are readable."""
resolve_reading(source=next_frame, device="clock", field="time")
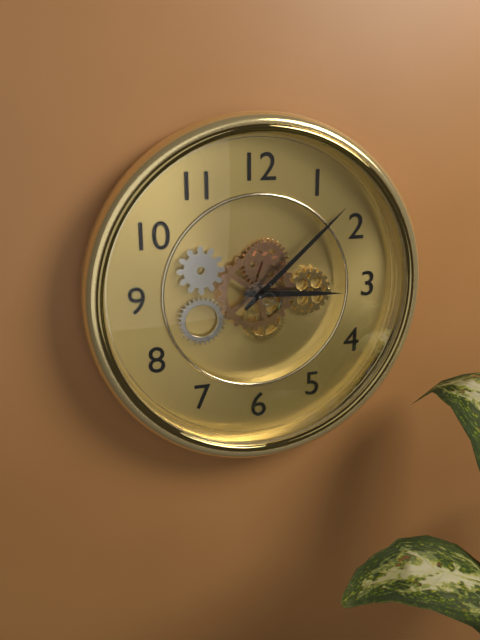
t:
**3:08**
